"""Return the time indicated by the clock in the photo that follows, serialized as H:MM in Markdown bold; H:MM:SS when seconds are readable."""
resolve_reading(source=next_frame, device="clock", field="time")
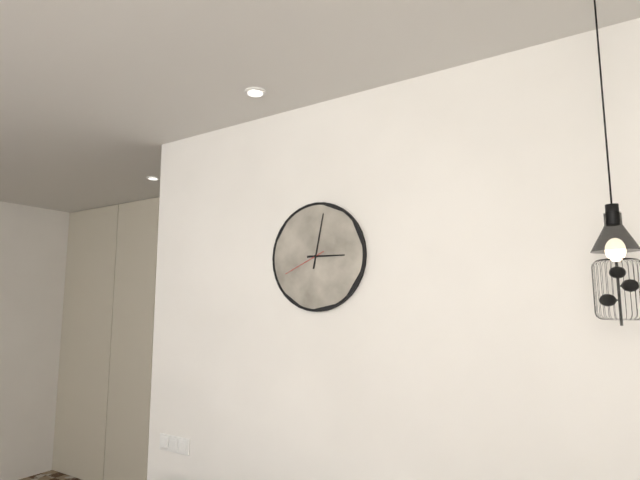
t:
**3:02**
